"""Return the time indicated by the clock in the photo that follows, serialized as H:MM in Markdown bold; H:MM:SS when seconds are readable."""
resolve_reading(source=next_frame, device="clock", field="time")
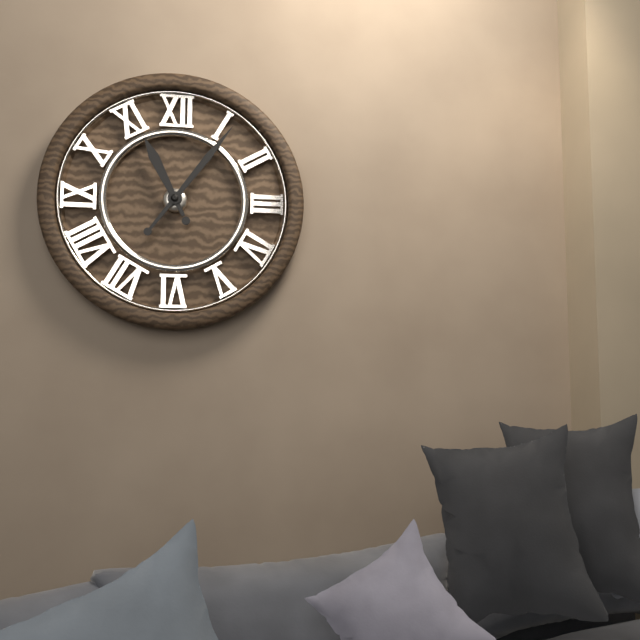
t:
**11:06**
